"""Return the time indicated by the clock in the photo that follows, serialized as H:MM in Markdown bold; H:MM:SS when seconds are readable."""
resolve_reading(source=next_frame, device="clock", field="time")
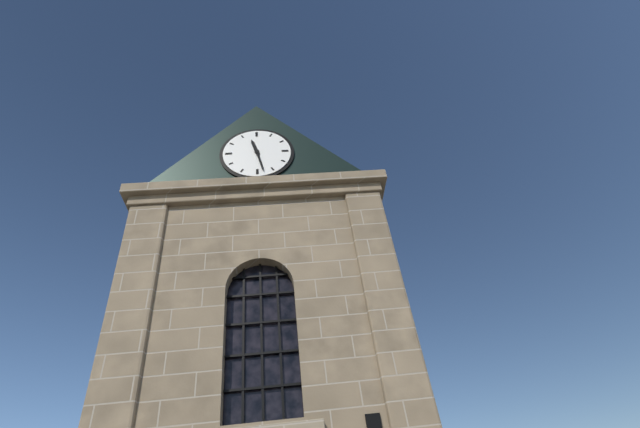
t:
**11:28**
